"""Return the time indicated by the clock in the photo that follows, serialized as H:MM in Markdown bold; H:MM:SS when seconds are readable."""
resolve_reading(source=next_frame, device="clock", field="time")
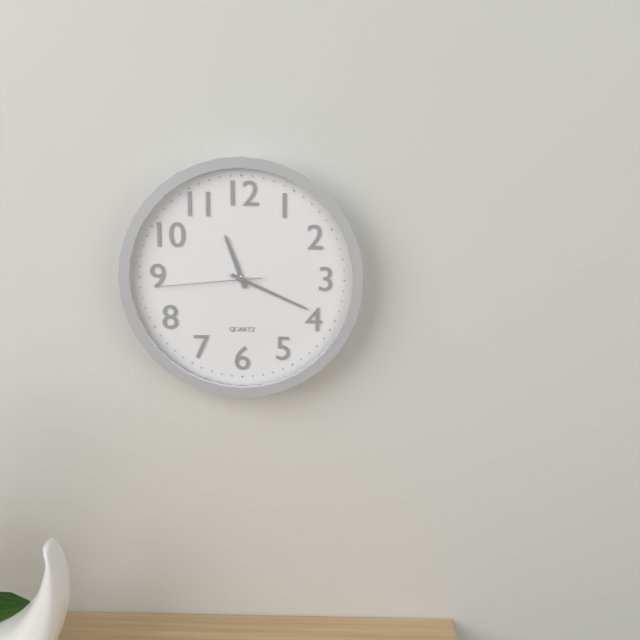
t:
**11:19:44**
